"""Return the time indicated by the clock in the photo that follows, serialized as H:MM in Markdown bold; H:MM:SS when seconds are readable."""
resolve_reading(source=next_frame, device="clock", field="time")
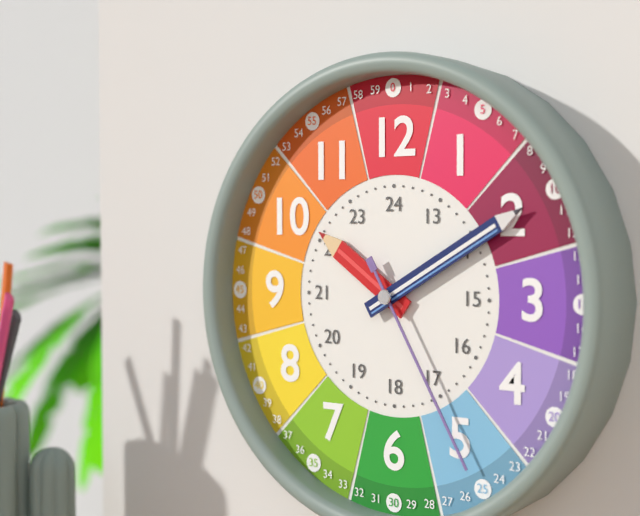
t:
**10:10:25**
